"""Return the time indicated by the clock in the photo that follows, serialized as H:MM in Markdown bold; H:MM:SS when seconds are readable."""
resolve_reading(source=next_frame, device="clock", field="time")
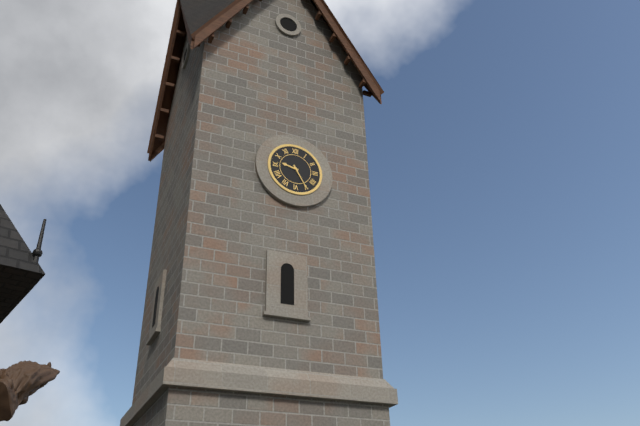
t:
**9:25**
